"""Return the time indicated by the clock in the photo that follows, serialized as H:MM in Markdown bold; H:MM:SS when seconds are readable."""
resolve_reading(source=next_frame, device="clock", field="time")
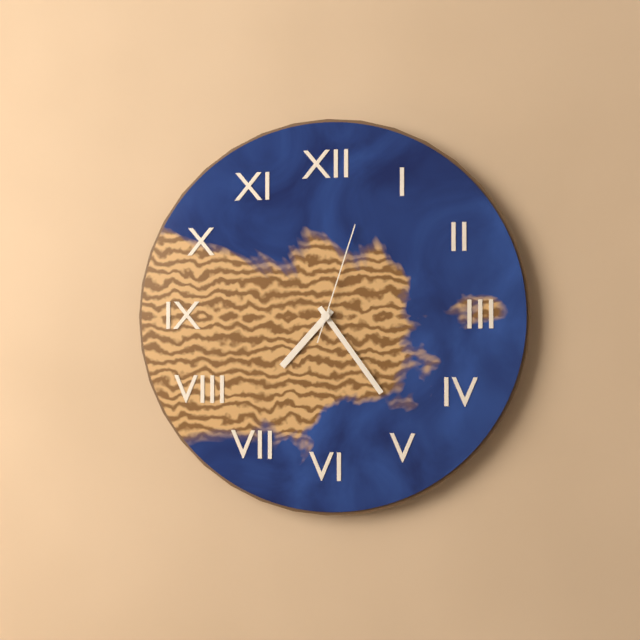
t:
**7:24:03**
